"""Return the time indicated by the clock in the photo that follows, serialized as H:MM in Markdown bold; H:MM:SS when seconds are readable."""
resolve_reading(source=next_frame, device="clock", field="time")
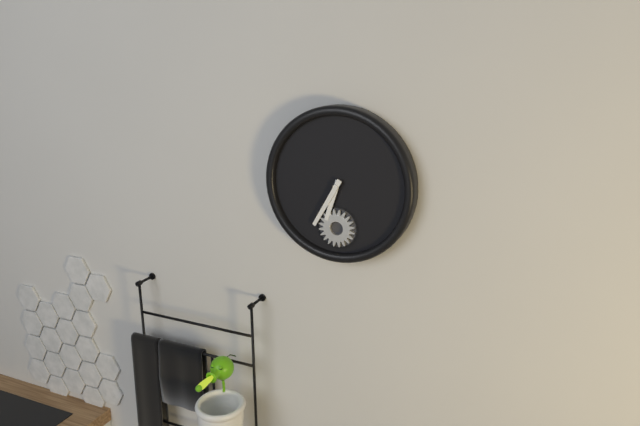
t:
**6:35**
